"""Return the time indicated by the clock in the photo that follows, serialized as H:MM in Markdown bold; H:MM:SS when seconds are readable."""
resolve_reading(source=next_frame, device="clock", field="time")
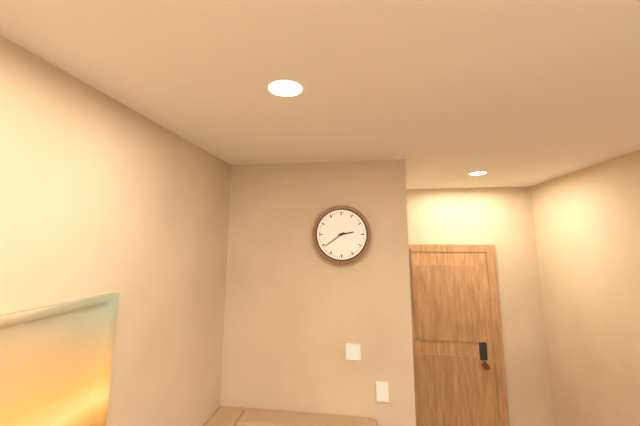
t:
**2:39**
